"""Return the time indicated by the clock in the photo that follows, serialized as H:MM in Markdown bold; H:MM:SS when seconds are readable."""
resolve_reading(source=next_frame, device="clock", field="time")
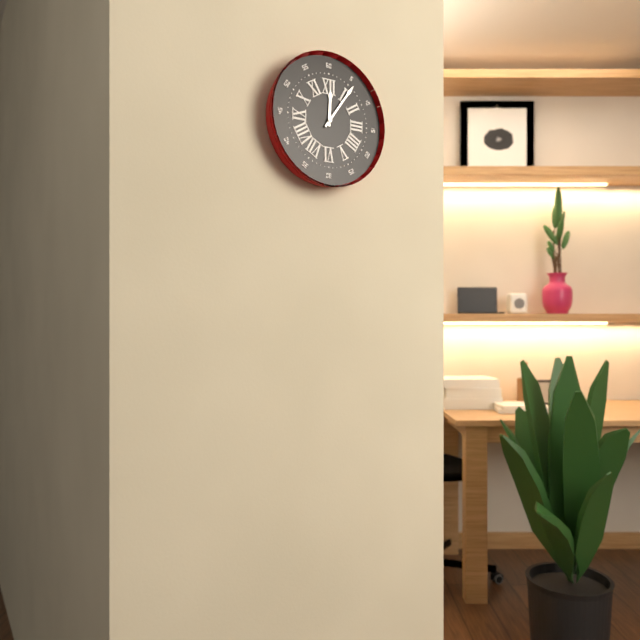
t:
**12:06**
